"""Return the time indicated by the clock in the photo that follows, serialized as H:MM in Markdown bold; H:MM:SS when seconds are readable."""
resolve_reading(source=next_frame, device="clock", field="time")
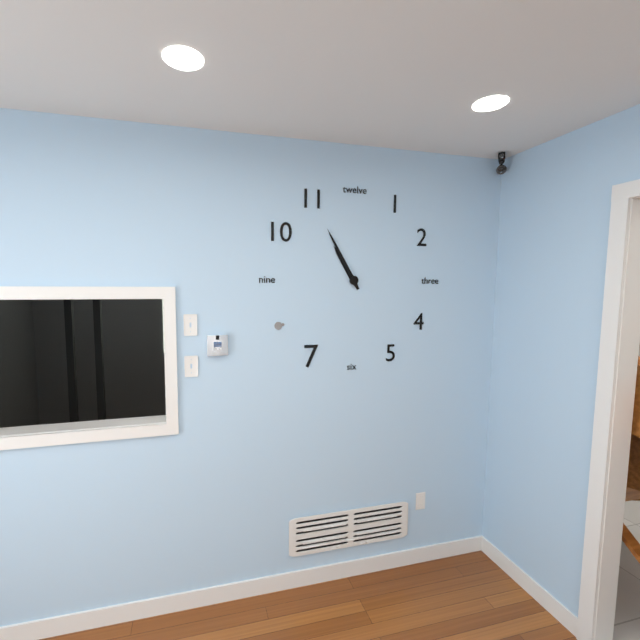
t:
**10:55**
